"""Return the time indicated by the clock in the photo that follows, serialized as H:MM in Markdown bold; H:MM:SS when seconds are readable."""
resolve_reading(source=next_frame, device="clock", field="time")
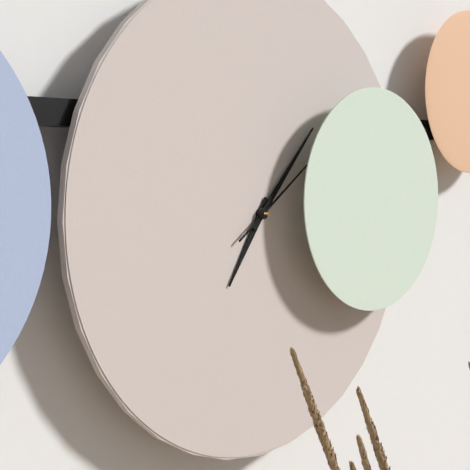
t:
**7:07:09**
